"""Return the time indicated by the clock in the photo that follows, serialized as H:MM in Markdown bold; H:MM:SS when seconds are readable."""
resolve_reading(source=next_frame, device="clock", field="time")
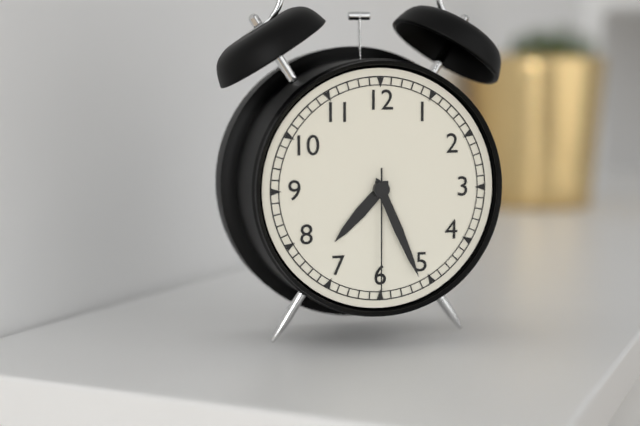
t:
**7:26:30**
